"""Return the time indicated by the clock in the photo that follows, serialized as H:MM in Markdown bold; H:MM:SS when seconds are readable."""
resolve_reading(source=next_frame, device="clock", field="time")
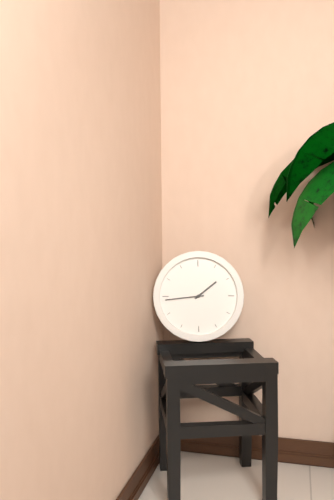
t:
**1:44**
